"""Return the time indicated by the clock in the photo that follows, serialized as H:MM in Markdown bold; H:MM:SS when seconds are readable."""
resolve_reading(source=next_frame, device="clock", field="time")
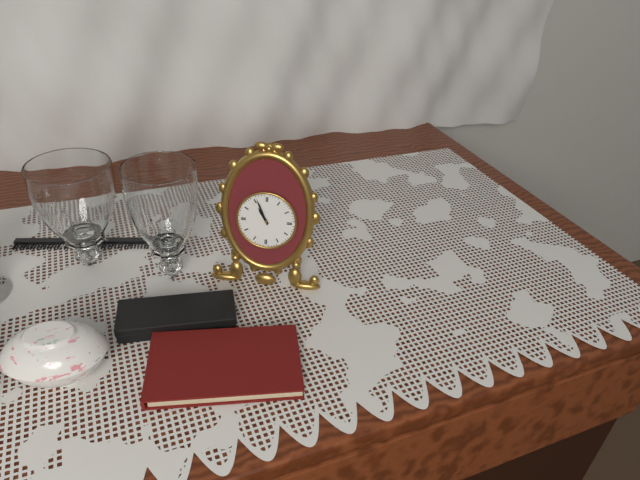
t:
**10:56**
